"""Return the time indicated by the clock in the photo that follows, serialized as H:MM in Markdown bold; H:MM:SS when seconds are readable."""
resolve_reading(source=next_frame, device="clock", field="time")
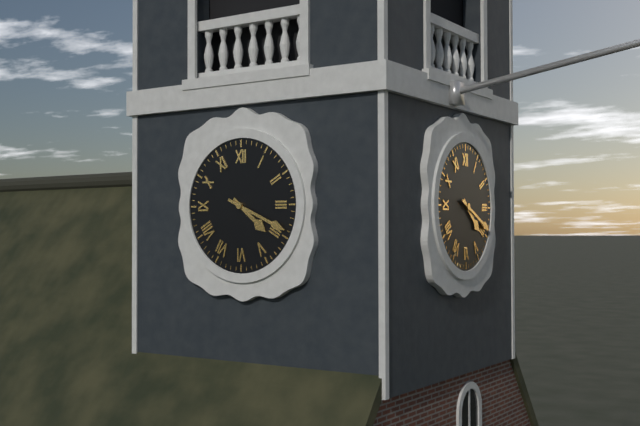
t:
**4:19**
